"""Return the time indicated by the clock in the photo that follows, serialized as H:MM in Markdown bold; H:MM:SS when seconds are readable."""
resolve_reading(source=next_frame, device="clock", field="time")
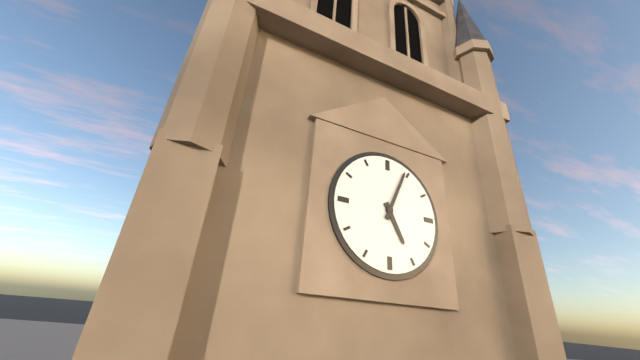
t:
**5:04**
